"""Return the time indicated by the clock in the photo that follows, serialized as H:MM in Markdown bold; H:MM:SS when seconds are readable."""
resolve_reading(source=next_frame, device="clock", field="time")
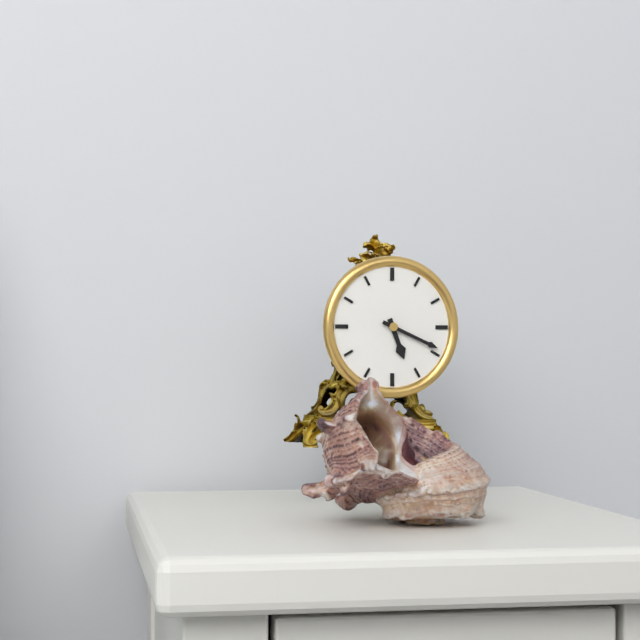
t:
**5:19**
